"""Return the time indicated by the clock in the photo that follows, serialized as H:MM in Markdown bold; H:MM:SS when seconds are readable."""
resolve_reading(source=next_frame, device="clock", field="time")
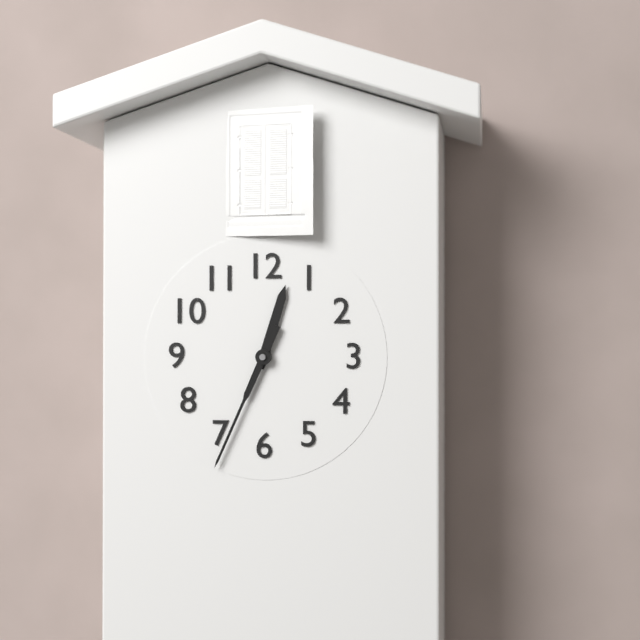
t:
**12:34**
